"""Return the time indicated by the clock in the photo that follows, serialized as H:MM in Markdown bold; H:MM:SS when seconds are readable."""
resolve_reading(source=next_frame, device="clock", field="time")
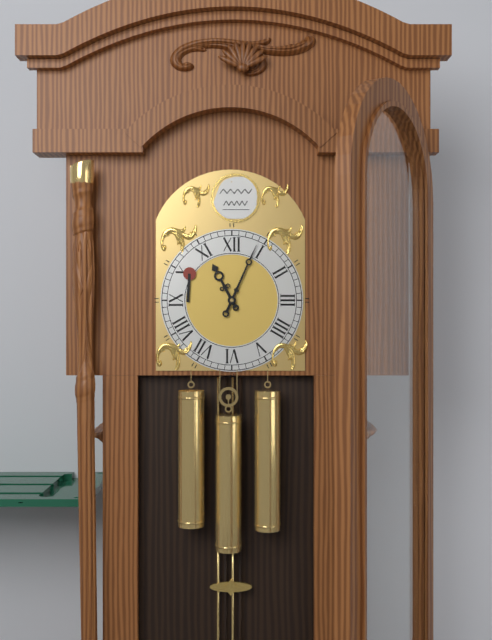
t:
**11:04**
